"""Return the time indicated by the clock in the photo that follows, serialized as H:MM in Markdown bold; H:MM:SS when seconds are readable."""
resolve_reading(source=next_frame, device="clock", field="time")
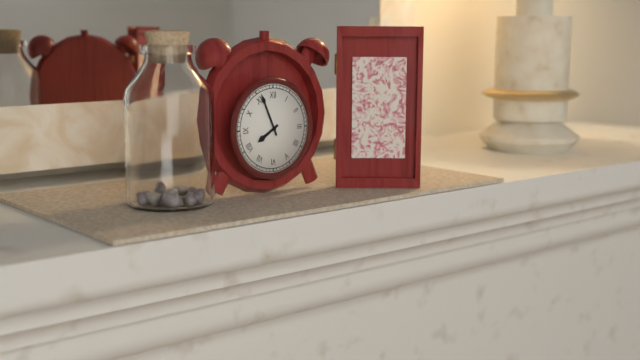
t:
**7:56**
